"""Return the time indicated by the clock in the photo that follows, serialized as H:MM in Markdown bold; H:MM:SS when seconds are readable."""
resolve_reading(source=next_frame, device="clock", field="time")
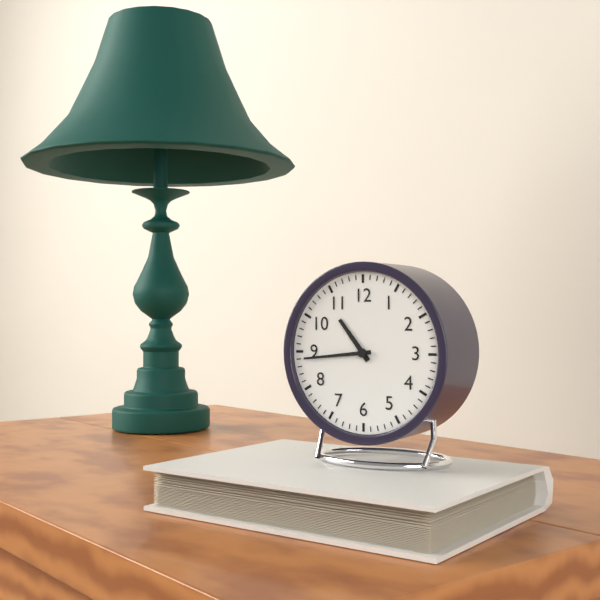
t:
**10:44**
